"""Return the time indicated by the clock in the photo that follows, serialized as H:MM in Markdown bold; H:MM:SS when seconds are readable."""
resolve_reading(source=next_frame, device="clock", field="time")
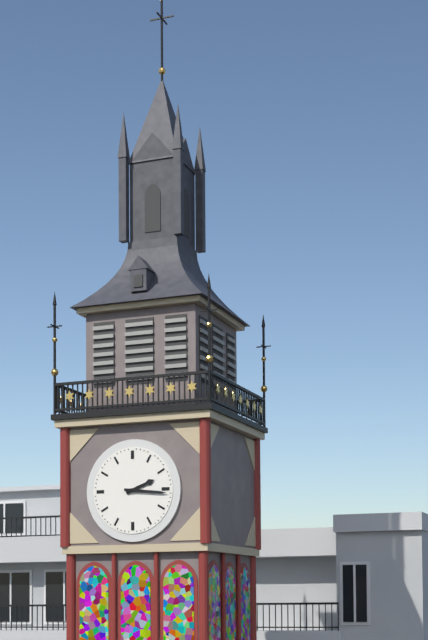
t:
**2:16**
